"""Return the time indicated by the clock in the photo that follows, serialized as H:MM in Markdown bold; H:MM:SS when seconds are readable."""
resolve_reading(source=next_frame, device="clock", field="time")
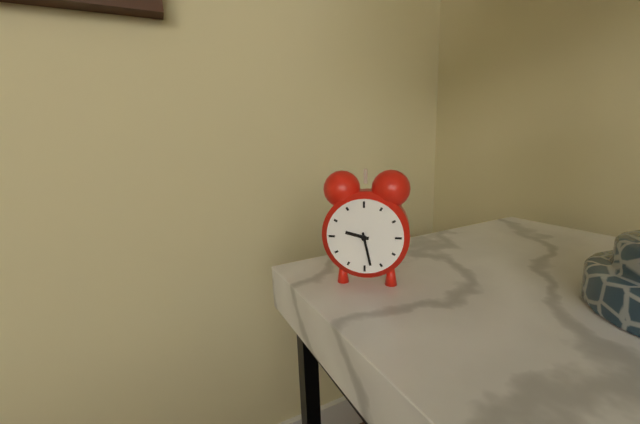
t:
**9:28**
